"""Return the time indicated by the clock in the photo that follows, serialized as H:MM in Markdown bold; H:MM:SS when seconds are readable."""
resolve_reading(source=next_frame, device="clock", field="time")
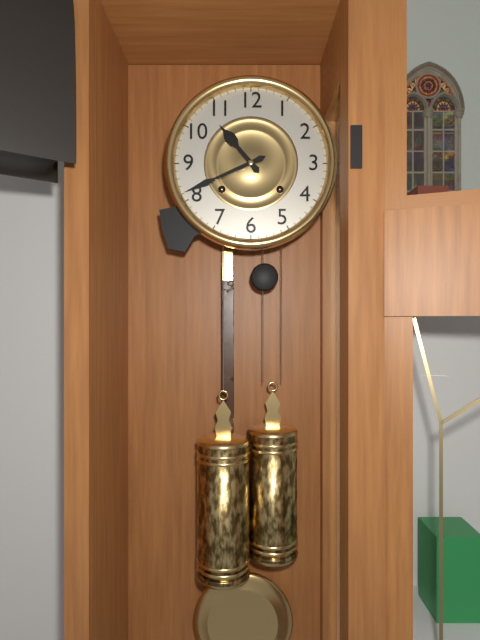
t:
**10:41**
